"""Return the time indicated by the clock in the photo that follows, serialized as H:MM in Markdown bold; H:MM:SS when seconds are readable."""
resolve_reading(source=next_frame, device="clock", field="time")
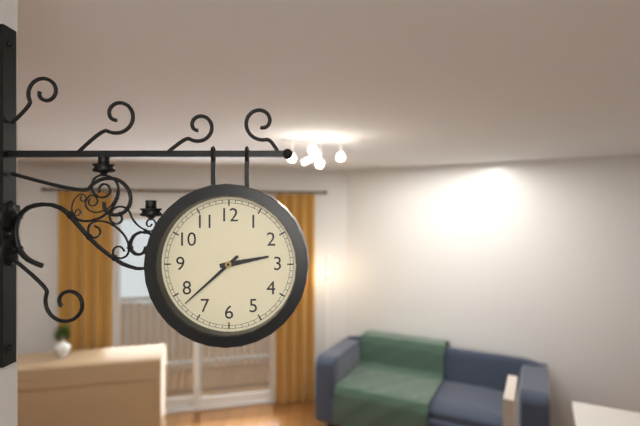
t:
**2:38**
